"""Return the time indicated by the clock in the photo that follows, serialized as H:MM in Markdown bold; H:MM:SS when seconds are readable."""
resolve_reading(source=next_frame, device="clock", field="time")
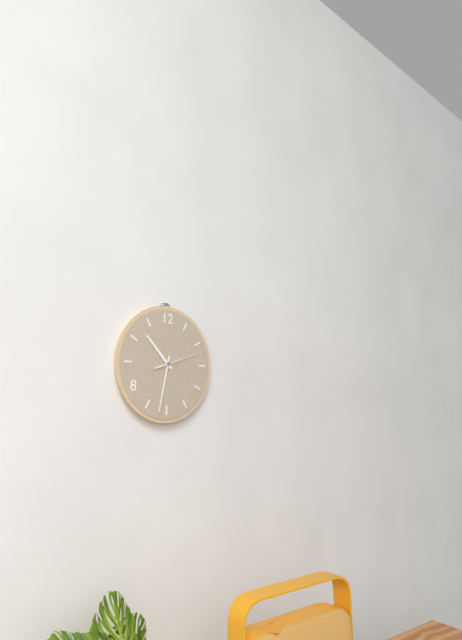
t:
**10:32**
